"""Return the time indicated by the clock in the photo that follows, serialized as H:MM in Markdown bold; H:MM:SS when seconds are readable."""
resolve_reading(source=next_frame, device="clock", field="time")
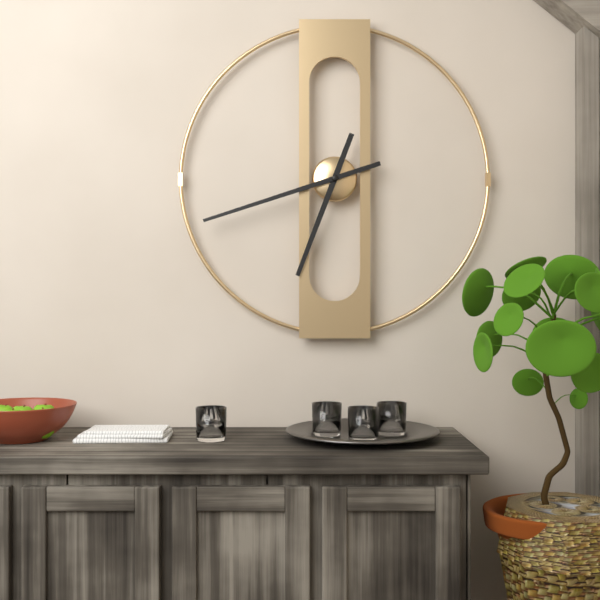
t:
**6:42**
